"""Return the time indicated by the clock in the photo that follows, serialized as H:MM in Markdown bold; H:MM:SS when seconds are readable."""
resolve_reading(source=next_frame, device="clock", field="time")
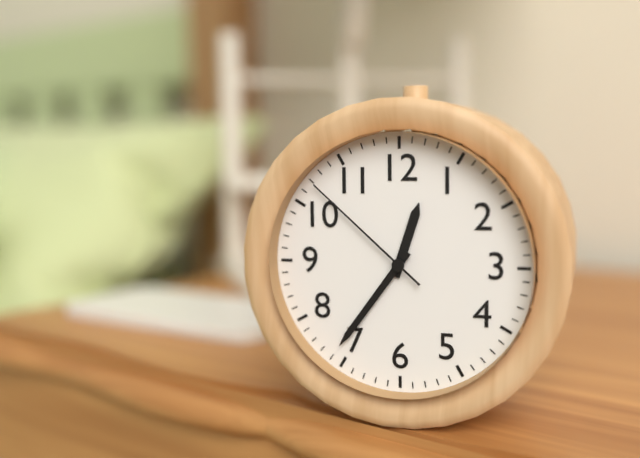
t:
**12:36:52**
